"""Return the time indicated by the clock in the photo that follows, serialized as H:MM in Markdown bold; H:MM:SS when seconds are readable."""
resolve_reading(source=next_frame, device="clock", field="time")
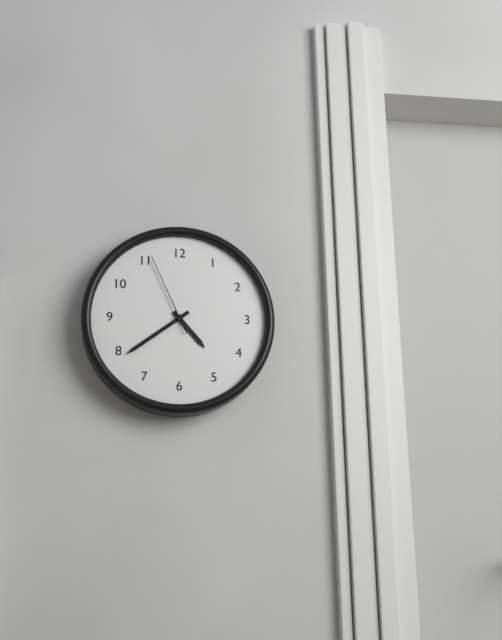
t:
**4:39:56**
